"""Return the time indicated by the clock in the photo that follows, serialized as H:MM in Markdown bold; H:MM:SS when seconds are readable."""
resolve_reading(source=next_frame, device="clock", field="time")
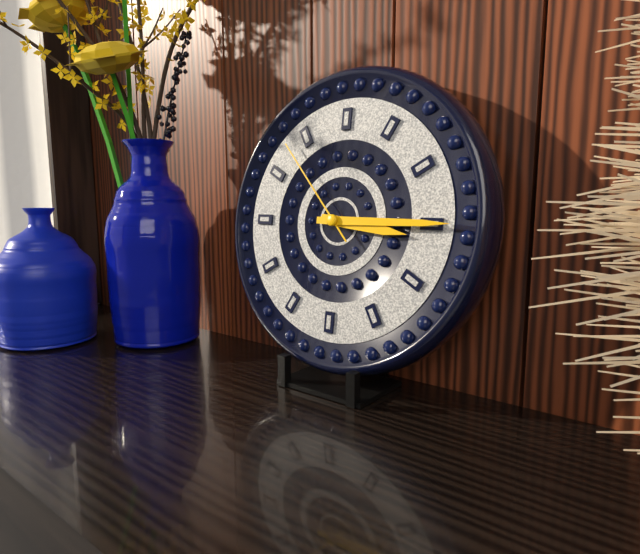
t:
**3:15:53**
